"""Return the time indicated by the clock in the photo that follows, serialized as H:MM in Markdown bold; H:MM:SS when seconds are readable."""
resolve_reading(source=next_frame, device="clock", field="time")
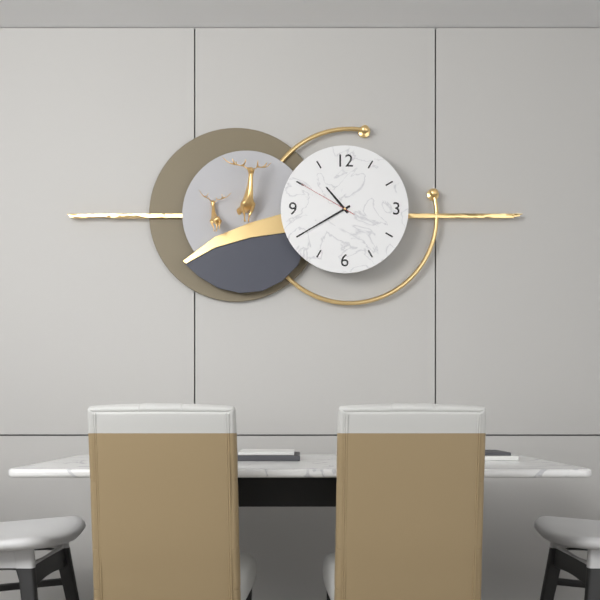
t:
**10:40:50**
